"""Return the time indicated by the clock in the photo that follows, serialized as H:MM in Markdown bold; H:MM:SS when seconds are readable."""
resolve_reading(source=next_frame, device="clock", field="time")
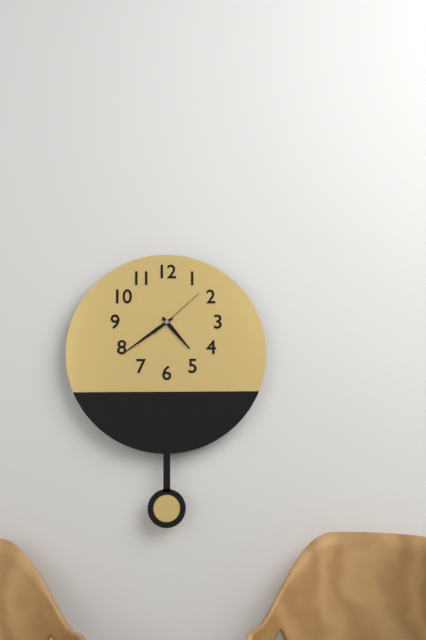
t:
**4:39:08**
